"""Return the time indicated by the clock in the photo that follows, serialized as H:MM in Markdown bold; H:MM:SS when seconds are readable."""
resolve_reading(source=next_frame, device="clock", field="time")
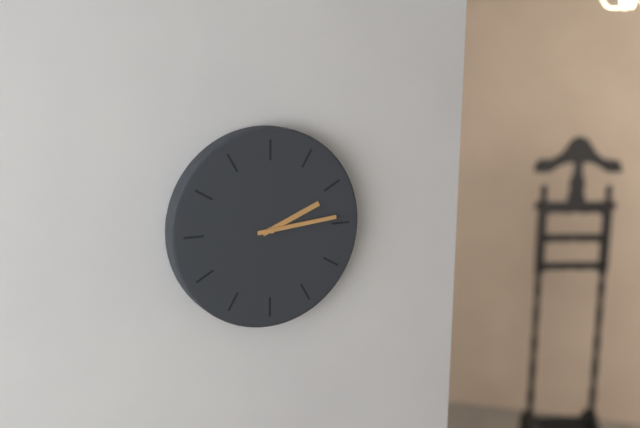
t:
**2:14**
